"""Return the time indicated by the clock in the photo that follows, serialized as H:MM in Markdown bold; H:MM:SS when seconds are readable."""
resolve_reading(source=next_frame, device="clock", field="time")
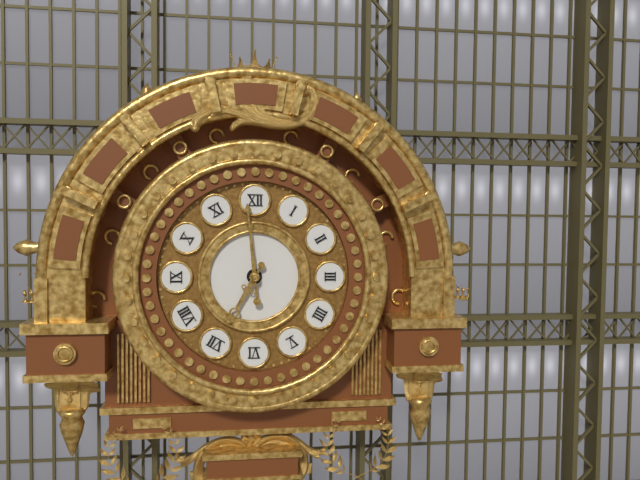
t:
**6:59**
